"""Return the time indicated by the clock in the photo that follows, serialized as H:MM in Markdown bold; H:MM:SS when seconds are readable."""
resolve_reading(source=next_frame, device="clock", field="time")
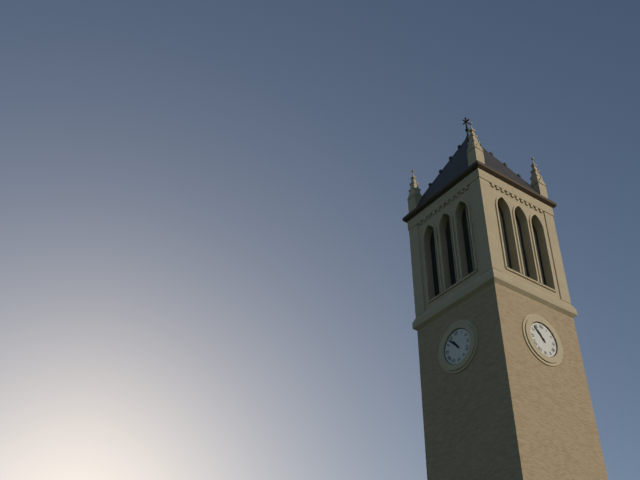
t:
**10:53**
